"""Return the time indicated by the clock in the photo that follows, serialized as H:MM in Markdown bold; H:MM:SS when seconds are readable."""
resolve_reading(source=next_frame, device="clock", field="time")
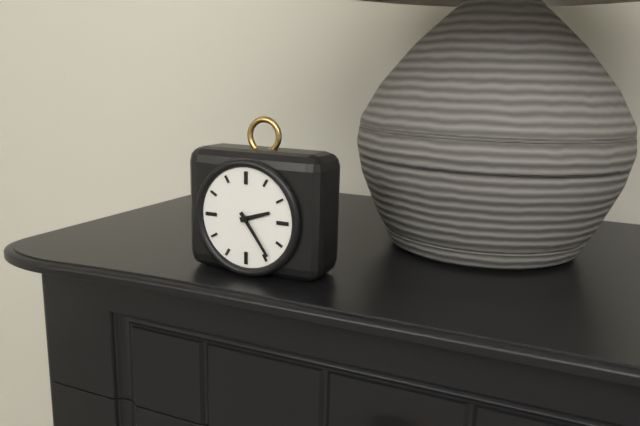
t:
**2:24**
